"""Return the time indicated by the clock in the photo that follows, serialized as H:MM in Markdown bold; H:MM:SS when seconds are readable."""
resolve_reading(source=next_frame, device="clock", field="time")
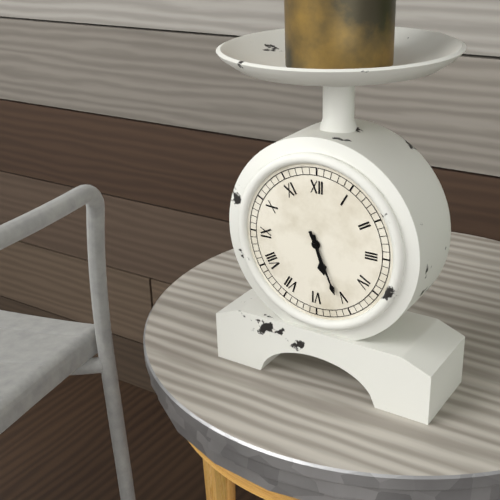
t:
**5:26**
